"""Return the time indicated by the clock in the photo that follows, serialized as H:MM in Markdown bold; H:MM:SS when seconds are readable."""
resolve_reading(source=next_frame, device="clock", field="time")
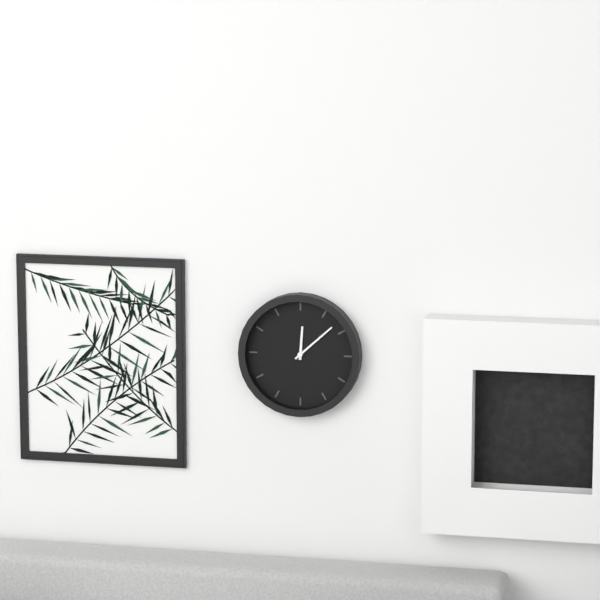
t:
**12:08**
